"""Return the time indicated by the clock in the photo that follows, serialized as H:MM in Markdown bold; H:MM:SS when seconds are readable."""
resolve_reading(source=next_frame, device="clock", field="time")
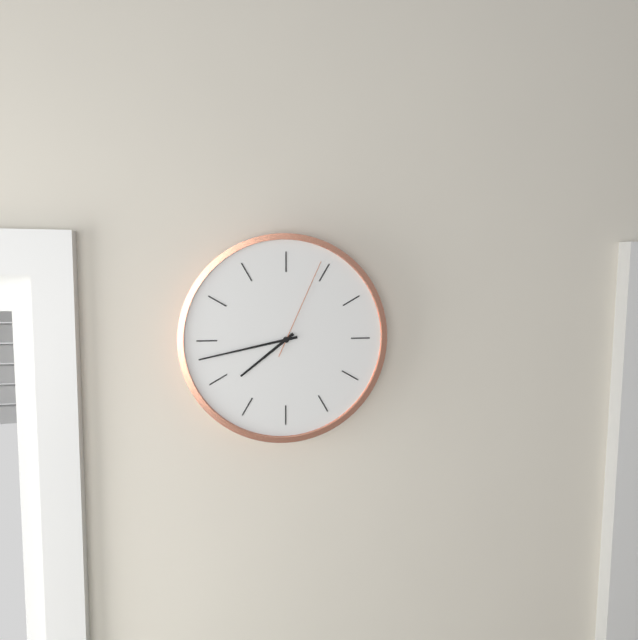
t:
**7:43:04**
